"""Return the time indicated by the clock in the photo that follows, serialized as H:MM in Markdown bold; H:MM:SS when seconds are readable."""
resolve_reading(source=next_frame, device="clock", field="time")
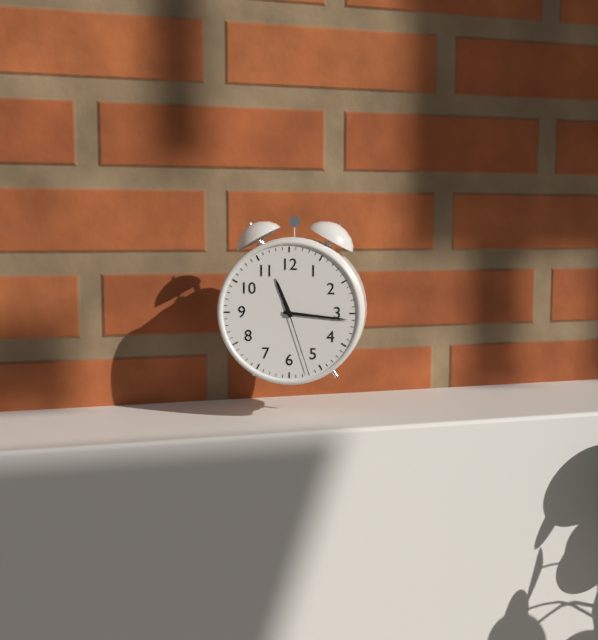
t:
**11:16:27**
